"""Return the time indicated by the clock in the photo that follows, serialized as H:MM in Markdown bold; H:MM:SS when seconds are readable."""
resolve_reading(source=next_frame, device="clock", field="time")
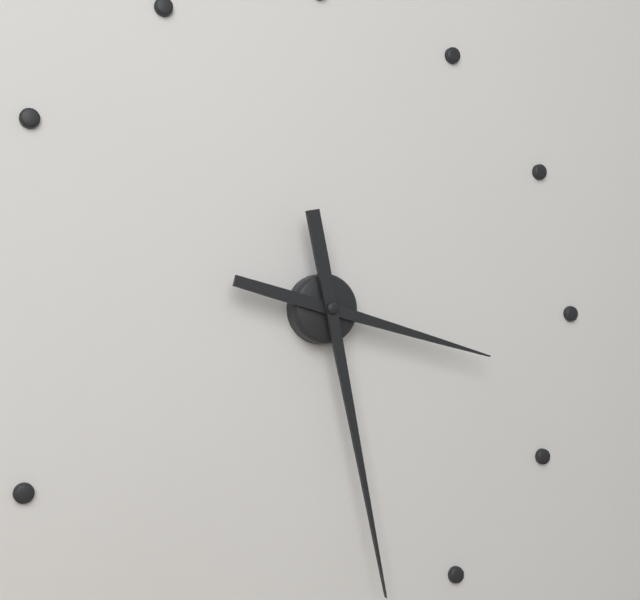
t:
**3:28**
